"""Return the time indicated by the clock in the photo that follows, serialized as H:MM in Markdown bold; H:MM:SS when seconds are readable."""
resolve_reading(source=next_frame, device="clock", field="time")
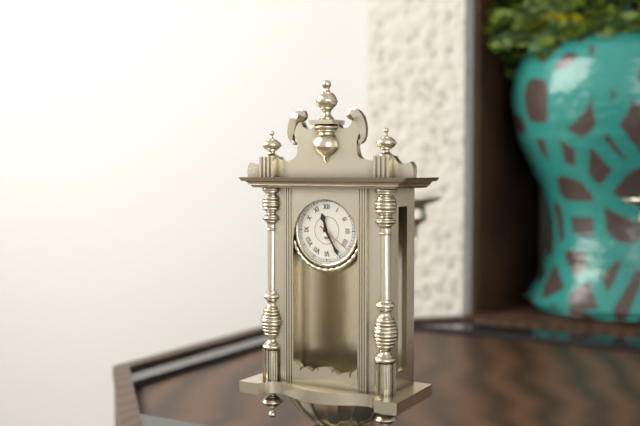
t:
**11:25**
